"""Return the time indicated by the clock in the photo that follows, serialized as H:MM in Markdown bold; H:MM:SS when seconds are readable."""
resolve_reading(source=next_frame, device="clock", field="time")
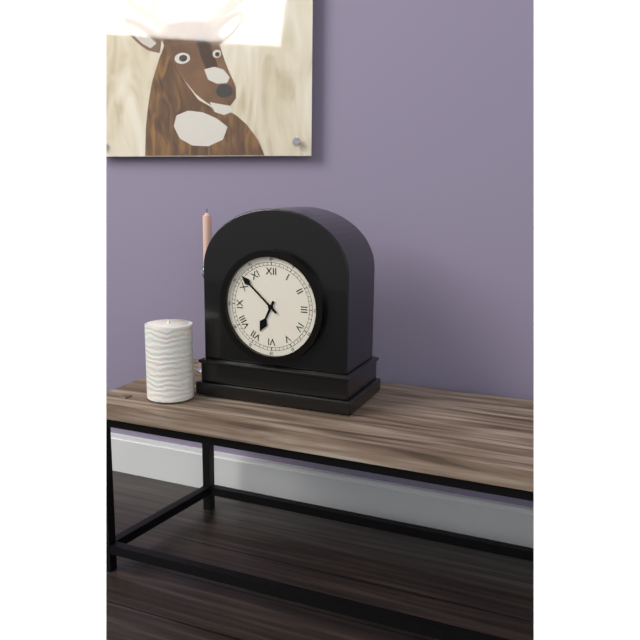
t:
**6:52**
